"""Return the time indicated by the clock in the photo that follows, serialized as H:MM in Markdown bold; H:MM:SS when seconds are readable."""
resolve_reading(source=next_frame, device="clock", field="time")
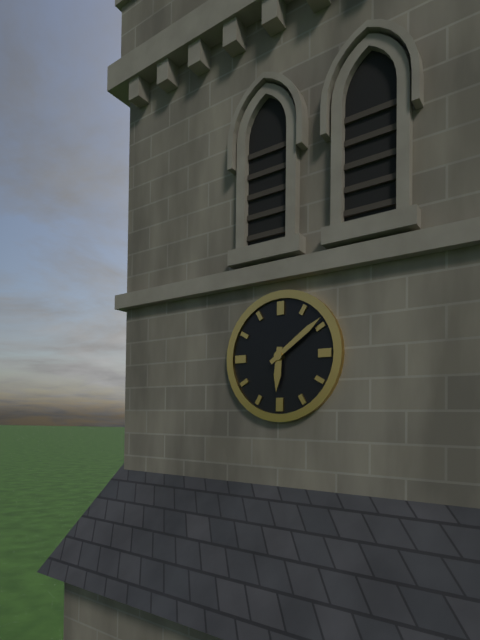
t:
**6:09**
